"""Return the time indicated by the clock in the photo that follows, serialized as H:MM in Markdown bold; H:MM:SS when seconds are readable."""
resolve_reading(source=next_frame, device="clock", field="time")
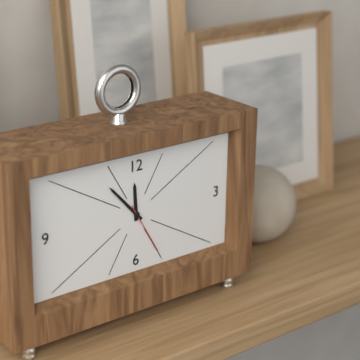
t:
**11:53:25**
